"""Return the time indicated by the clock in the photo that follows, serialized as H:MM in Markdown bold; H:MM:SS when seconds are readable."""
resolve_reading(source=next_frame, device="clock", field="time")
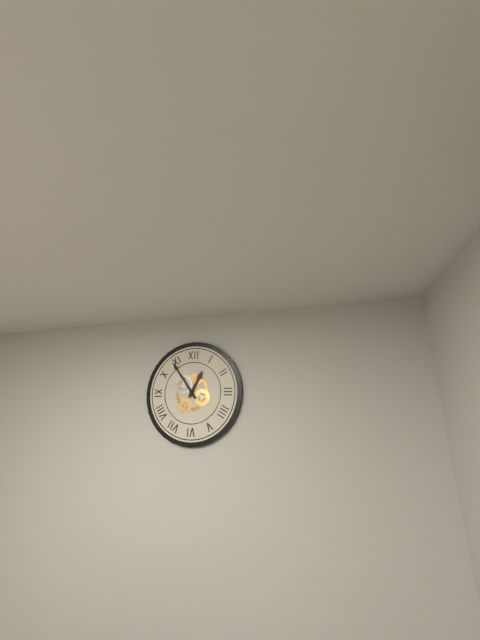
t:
**12:54**
